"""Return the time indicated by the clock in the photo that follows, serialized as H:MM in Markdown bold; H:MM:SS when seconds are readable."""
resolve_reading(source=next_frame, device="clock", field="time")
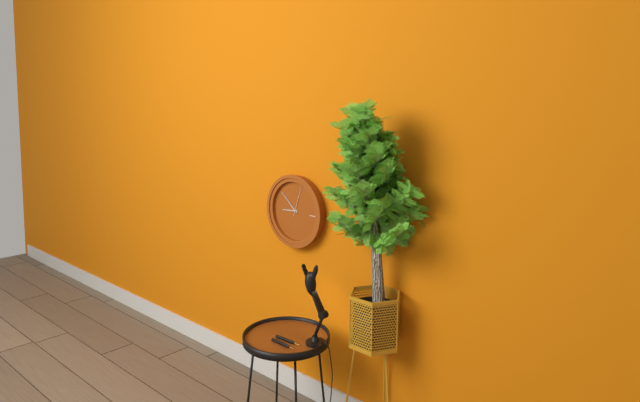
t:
**8:52**
